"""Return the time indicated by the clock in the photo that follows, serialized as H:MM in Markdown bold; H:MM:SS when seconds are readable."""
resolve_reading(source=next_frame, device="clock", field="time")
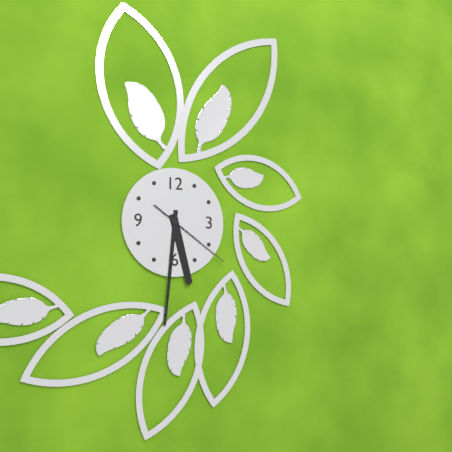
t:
**5:31:21**
